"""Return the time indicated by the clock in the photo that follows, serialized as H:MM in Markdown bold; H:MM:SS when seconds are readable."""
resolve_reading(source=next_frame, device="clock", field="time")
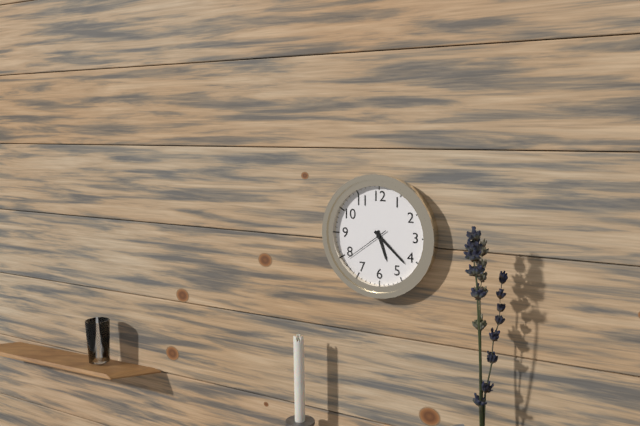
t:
**5:22**
